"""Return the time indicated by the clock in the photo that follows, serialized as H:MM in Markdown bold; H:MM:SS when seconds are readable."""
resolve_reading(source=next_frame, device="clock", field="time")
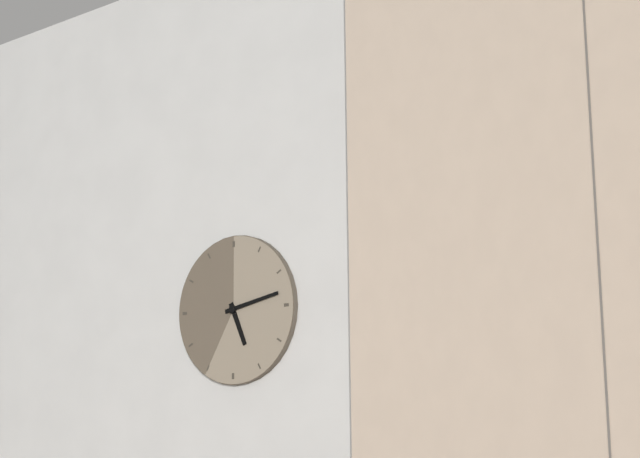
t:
**5:13**
